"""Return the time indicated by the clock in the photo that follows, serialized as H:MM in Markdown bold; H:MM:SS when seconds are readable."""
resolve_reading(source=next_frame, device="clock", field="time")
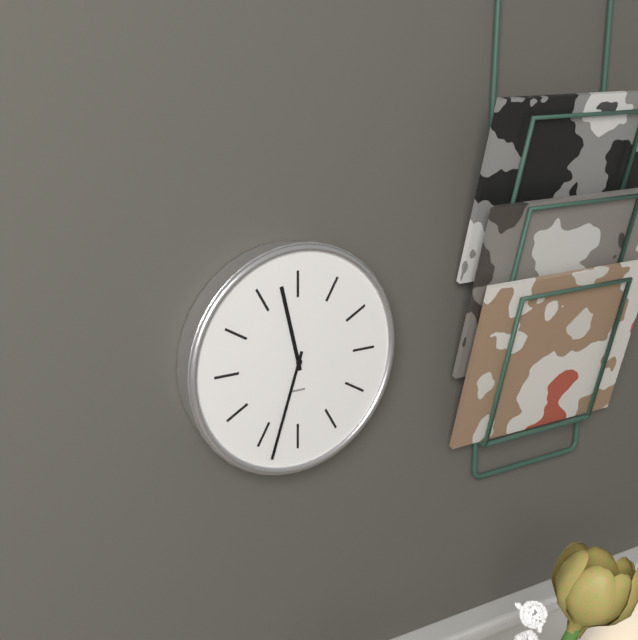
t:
**11:33**
